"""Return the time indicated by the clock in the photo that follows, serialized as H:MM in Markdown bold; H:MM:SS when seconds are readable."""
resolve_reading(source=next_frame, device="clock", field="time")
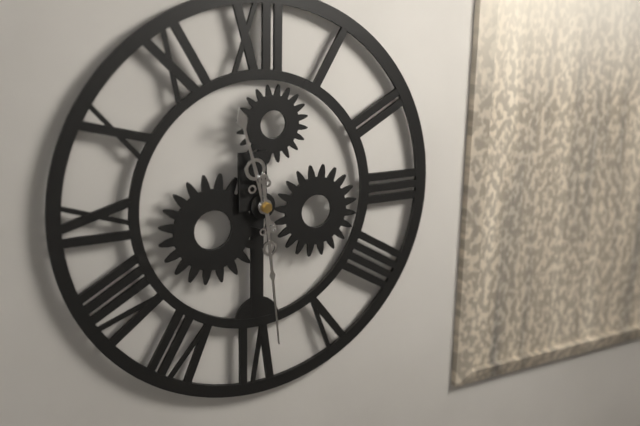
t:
**11:29**
